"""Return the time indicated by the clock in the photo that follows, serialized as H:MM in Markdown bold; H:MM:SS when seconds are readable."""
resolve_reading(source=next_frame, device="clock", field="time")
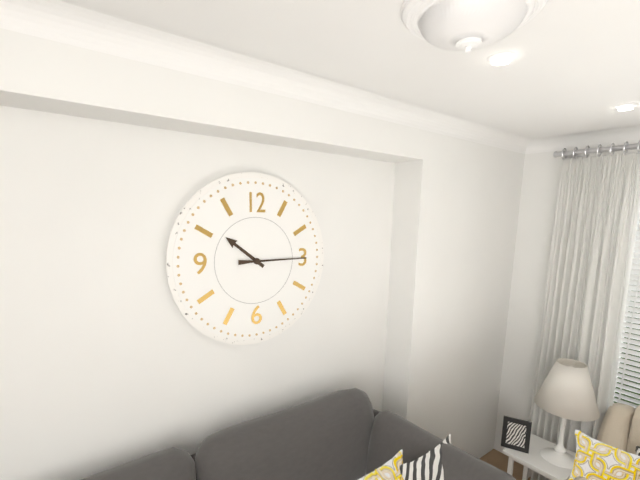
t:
**10:15**
